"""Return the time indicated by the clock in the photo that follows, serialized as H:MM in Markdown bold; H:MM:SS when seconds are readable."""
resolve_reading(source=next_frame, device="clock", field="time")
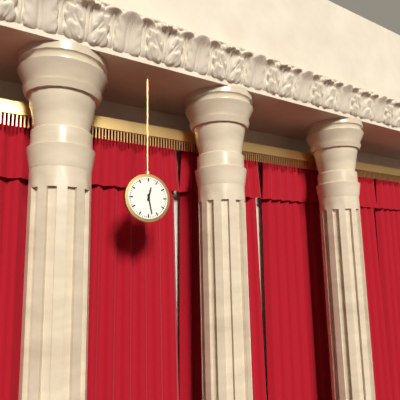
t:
**12:28**
